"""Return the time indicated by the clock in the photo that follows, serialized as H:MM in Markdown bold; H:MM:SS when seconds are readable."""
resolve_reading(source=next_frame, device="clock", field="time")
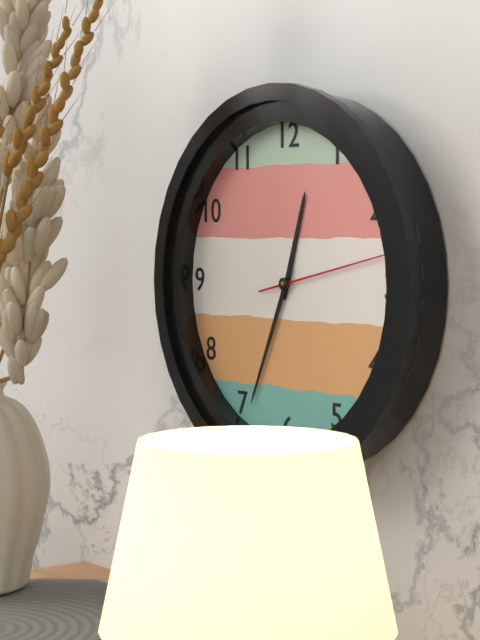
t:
**12:34:13**
